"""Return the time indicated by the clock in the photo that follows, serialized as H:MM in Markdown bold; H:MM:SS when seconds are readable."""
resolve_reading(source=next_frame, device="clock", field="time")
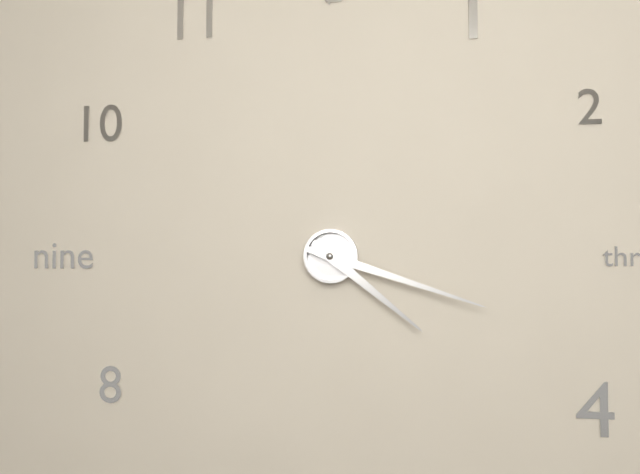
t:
**4:18**
